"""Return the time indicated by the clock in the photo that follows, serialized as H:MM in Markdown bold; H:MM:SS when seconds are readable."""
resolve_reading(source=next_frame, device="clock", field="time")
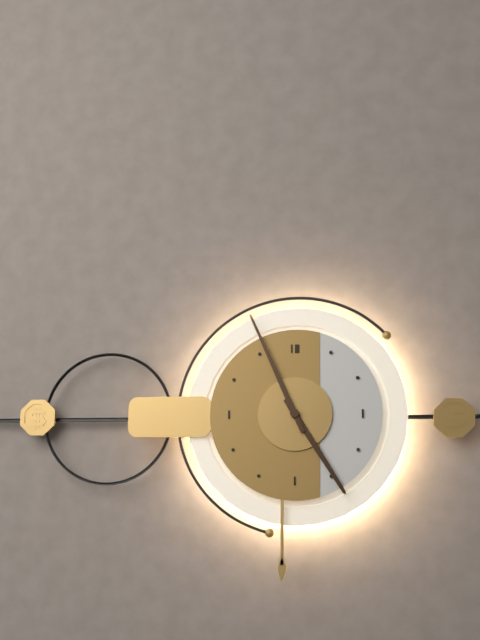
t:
**4:56**
